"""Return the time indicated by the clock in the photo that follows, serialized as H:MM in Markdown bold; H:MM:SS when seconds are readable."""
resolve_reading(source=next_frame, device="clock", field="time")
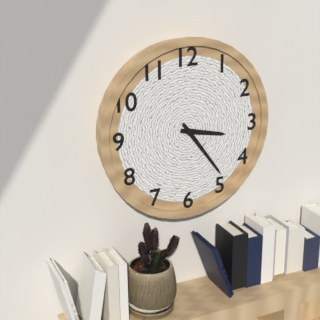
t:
**3:24**
